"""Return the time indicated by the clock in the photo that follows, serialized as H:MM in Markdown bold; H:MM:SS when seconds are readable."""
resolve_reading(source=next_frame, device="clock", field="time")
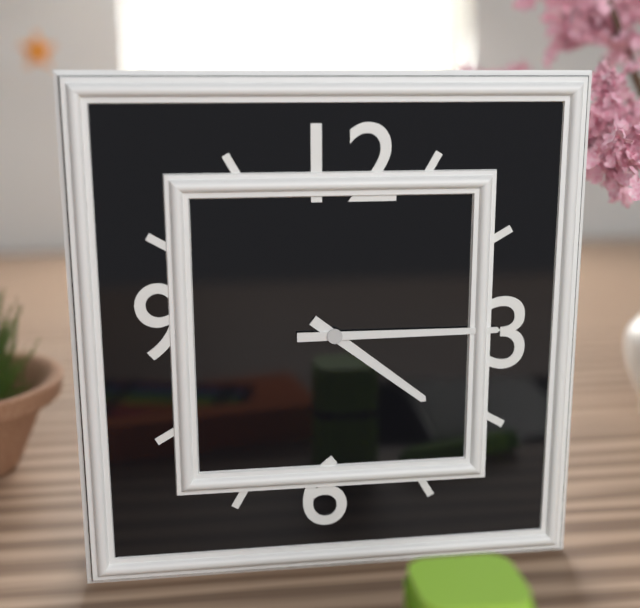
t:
**4:15**
